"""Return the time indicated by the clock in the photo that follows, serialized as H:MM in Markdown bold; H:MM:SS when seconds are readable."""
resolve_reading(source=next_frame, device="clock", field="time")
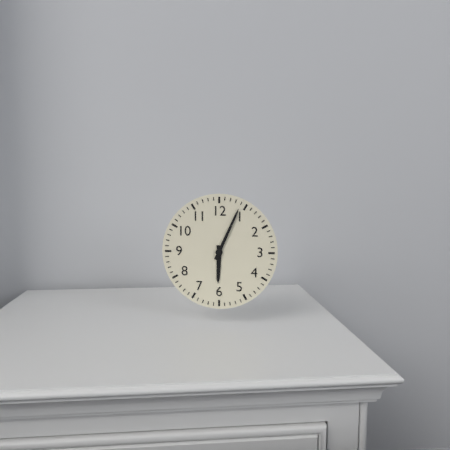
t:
**6:04**
